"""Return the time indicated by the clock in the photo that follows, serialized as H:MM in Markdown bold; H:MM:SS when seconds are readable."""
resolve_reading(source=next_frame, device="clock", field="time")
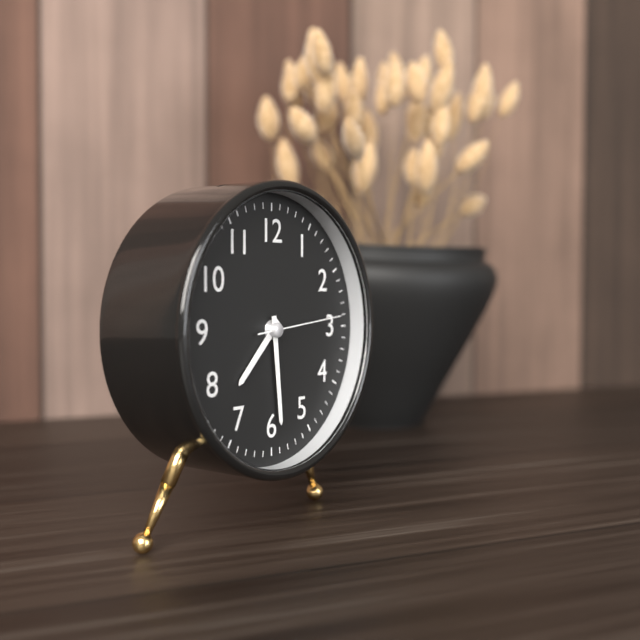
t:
**7:29:14**
